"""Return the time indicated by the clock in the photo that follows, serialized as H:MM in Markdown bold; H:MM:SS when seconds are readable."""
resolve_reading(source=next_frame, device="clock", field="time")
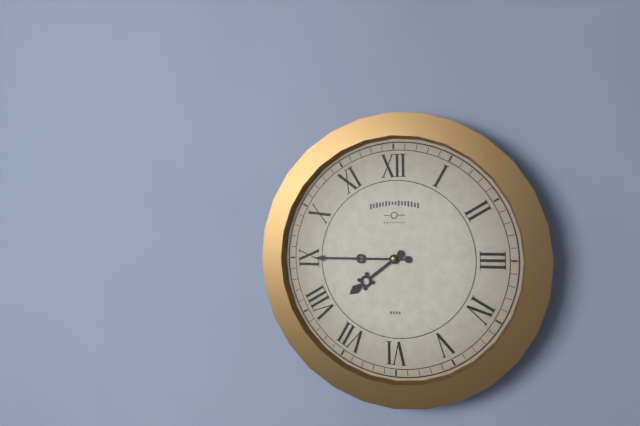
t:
**7:45**
